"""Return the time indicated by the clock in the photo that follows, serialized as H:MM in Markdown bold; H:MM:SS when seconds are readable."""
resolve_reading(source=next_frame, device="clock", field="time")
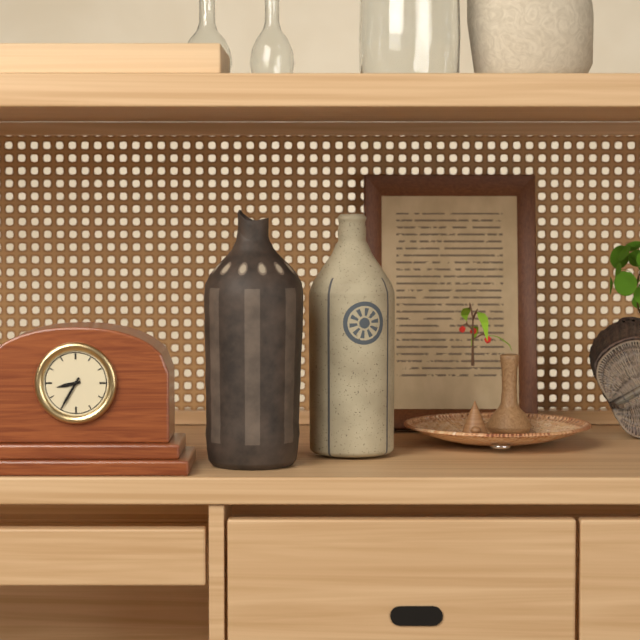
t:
**8:35**
